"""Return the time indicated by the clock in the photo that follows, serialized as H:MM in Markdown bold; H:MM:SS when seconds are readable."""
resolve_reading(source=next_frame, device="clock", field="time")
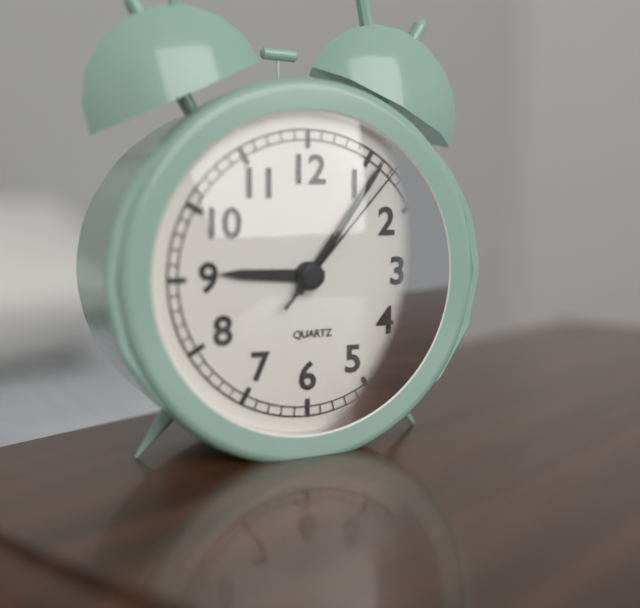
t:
**9:06:07**
